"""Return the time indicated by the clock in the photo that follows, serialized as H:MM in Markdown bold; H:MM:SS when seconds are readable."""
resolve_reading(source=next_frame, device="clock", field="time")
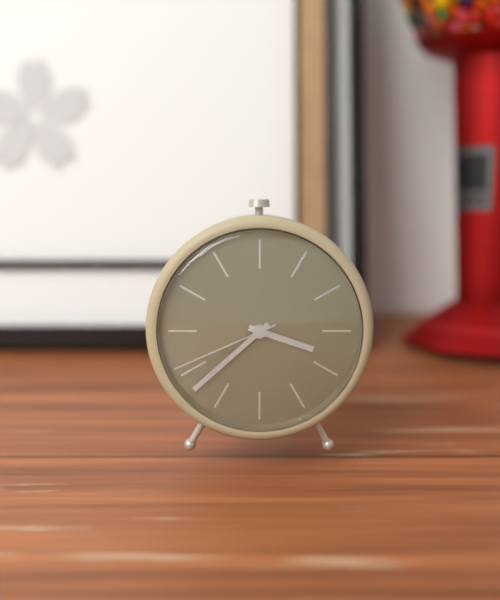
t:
**3:38:41**
